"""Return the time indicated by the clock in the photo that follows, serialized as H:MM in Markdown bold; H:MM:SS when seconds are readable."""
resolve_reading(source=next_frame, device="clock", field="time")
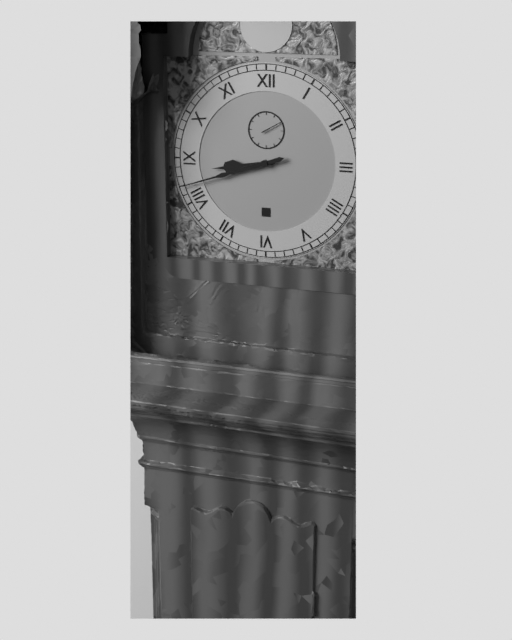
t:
**8:42**
